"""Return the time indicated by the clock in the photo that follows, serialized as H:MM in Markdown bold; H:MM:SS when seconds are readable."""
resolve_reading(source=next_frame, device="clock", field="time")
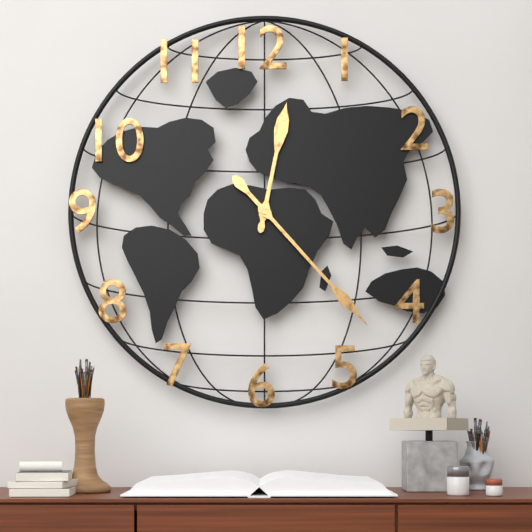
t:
**12:23**
